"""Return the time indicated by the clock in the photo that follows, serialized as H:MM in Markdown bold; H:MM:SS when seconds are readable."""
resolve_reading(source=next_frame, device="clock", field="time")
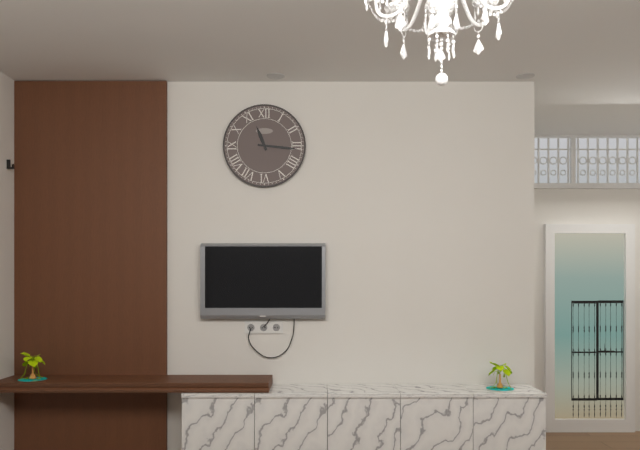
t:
**11:16**
